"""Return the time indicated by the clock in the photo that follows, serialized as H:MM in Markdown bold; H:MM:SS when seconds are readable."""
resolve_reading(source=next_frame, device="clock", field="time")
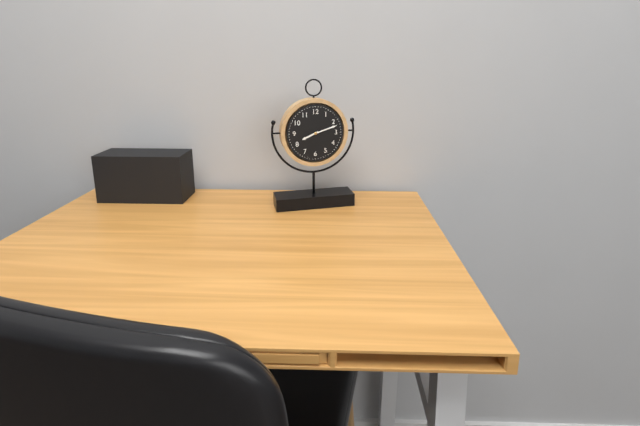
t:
**8:12**
